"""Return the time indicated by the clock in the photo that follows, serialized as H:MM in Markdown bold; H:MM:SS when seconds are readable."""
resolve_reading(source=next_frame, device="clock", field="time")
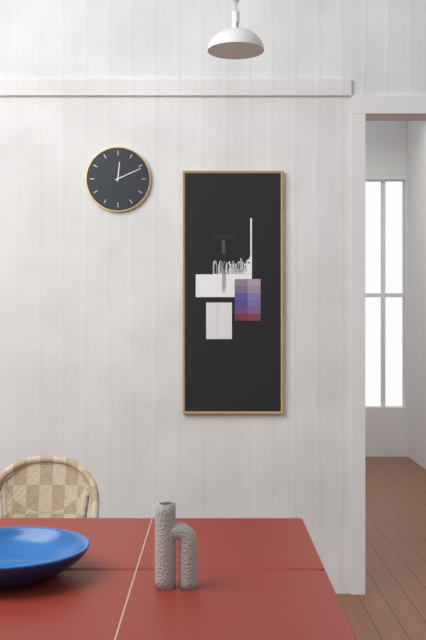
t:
**12:11**
